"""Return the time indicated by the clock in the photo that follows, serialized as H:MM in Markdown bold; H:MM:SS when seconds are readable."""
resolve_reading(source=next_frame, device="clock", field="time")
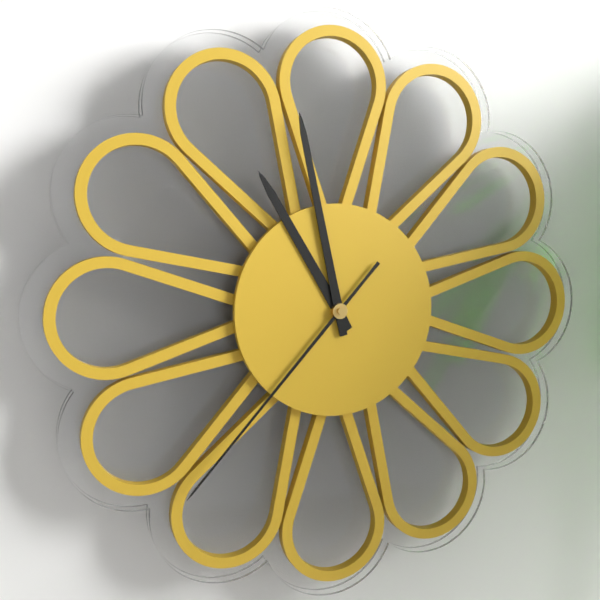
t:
**10:58:37**
